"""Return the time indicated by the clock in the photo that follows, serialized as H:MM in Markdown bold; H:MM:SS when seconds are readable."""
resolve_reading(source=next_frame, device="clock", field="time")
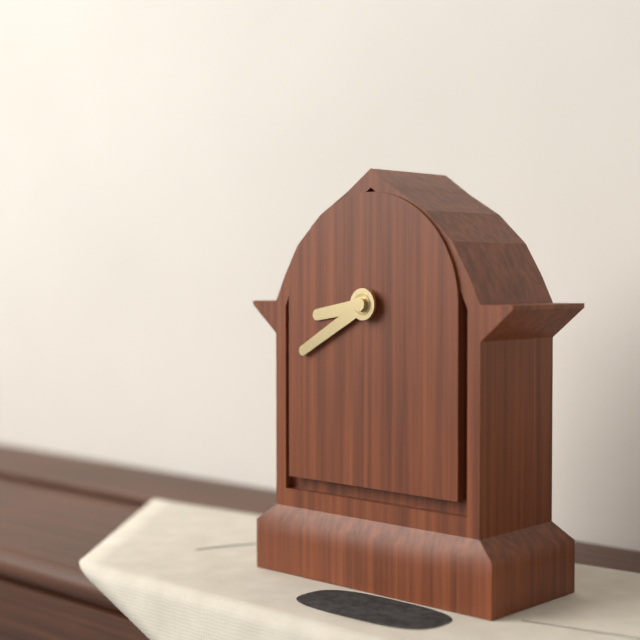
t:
**8:40**
